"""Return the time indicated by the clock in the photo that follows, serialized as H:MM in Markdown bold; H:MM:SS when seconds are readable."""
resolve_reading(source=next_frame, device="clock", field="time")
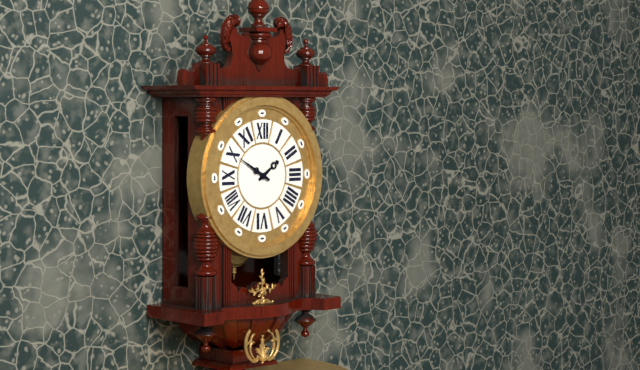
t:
**1:50**
